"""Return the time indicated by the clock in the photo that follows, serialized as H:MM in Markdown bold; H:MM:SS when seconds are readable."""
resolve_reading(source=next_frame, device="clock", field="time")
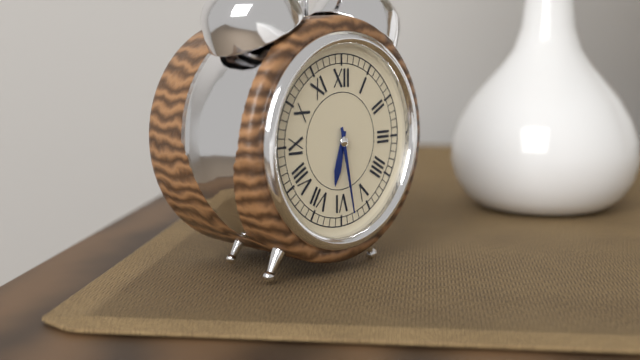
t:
**6:28**
